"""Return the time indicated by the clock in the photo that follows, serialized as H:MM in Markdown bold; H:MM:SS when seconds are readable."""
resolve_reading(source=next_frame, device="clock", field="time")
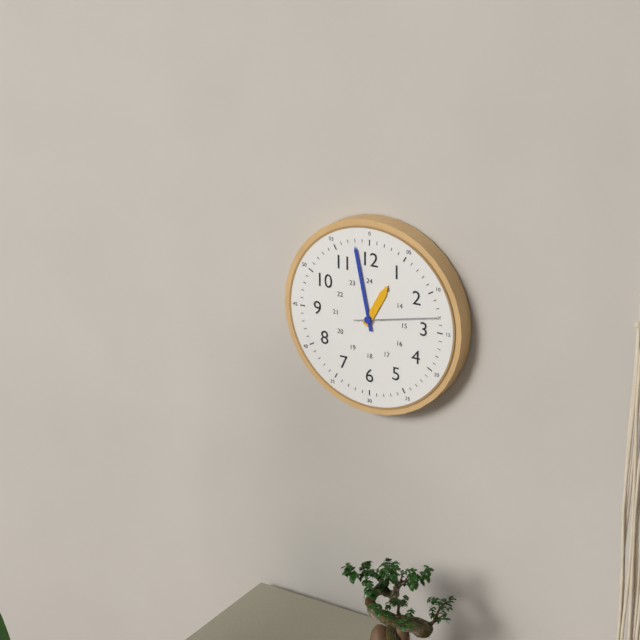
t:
**12:58:13**
